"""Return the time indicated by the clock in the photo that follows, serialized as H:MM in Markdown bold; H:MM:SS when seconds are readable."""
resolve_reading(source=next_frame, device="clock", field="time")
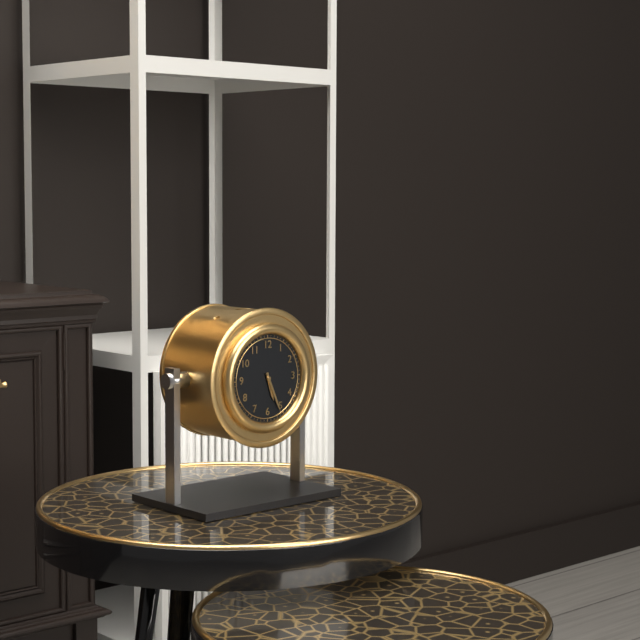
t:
**5:26**
